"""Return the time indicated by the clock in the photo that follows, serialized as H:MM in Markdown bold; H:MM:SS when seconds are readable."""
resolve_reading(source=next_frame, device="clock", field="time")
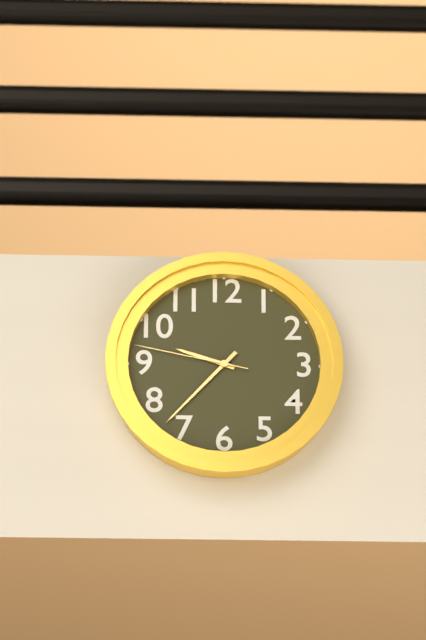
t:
**9:37:47**
